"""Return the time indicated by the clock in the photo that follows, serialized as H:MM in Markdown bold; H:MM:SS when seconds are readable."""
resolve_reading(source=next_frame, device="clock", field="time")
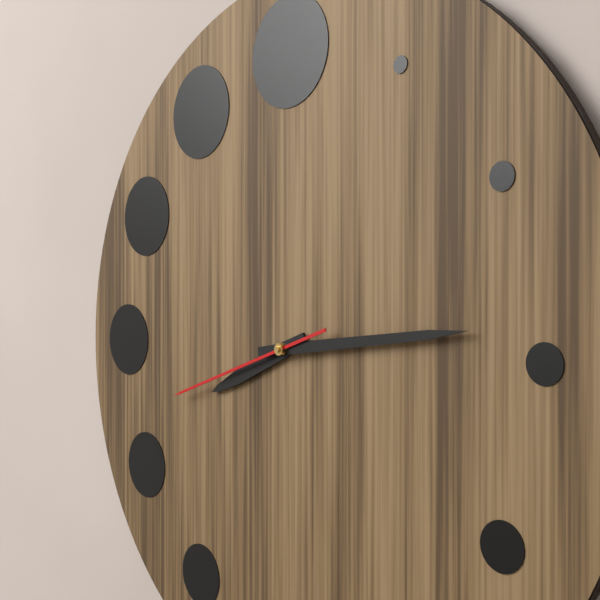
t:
**8:14:42**
